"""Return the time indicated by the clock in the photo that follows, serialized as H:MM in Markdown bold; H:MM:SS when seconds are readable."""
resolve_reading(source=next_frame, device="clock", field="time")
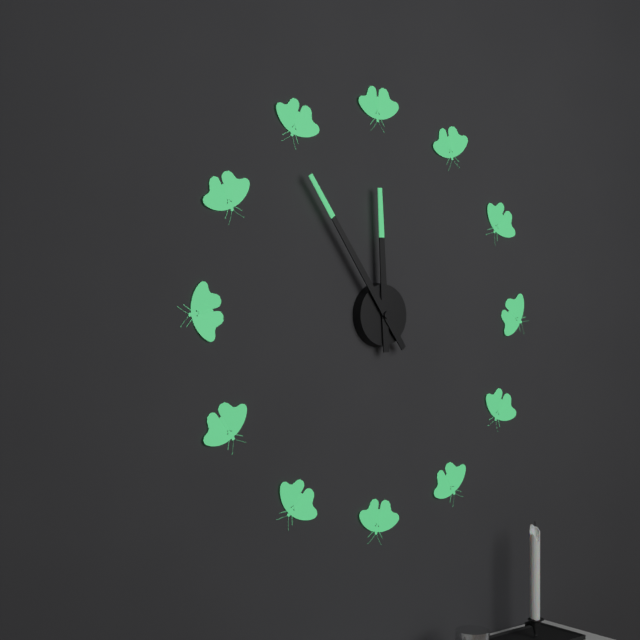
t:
**11:54**
